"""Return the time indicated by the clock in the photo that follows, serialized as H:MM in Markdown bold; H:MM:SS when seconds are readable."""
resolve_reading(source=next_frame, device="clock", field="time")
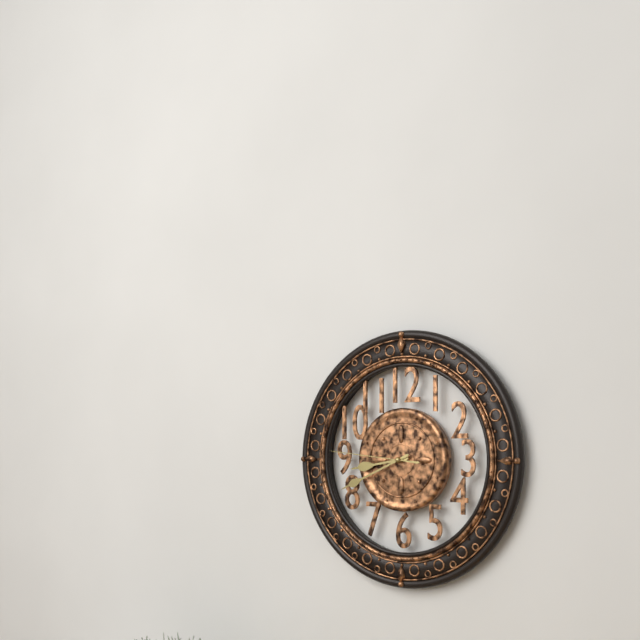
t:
**8:41:46**
